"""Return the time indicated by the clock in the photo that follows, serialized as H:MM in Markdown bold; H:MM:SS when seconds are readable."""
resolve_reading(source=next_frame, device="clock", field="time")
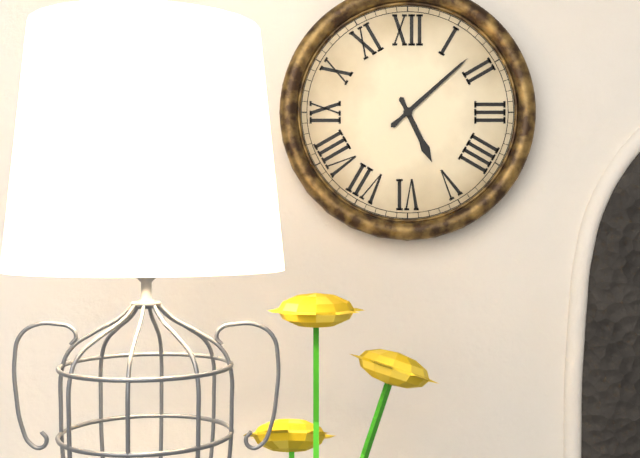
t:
**5:08**
